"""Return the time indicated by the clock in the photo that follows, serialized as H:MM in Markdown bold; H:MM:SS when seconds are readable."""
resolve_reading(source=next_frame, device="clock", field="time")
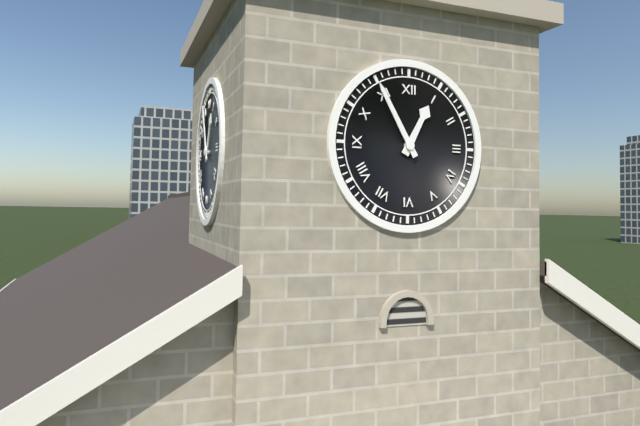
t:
**12:55**
